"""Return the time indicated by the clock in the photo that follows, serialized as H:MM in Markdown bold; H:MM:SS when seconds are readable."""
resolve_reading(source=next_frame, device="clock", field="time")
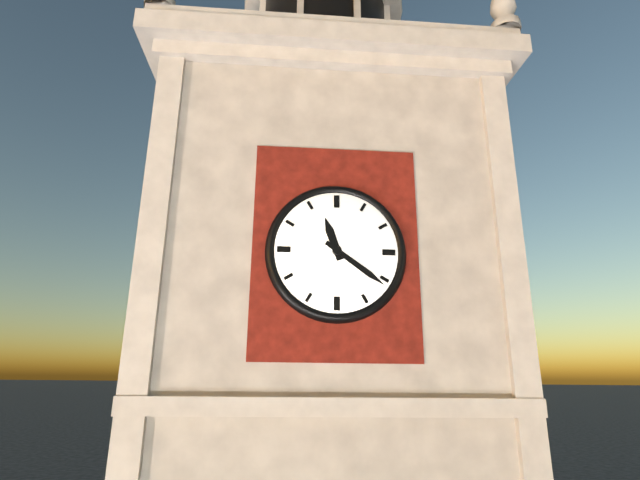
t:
**11:21**
